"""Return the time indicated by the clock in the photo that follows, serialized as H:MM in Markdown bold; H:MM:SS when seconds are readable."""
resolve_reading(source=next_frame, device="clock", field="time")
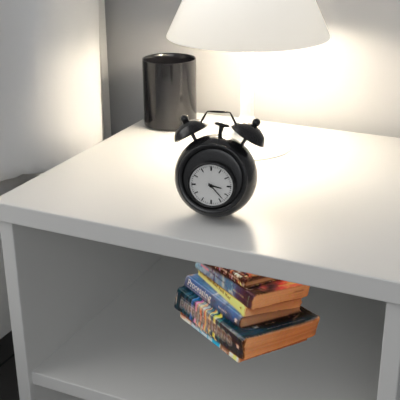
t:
**3:23**
